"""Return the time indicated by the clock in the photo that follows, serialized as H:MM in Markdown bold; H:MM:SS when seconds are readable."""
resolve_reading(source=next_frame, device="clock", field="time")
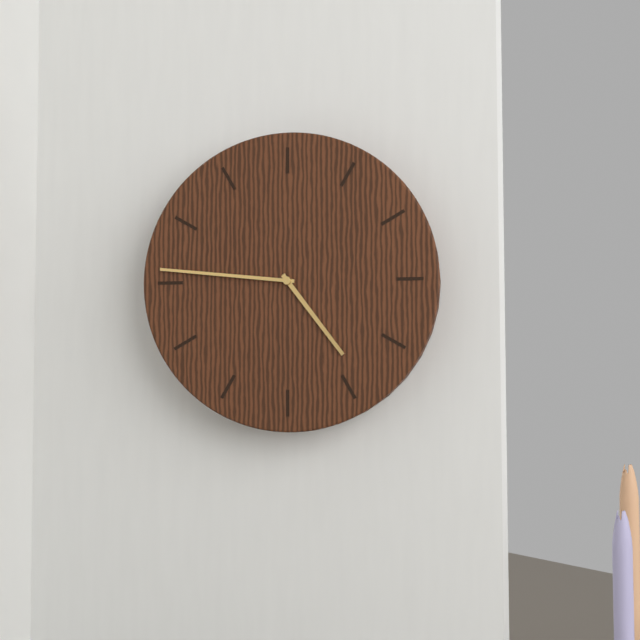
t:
**4:46**
